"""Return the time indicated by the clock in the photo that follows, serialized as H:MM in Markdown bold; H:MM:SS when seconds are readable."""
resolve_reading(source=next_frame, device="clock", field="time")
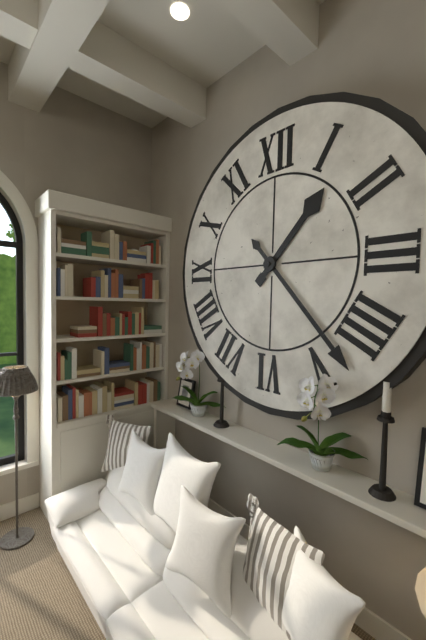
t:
**1:23**
